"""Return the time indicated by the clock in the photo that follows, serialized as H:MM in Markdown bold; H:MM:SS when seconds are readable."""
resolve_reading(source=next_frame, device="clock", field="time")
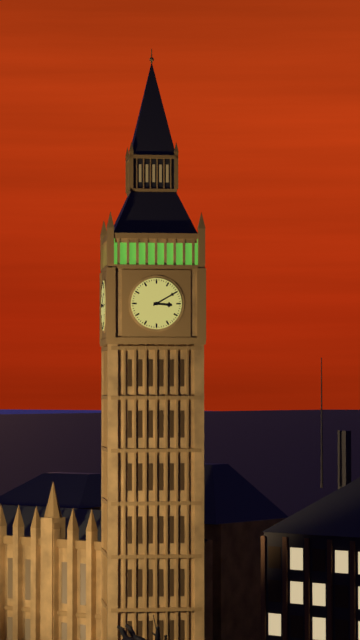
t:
**3:10**
